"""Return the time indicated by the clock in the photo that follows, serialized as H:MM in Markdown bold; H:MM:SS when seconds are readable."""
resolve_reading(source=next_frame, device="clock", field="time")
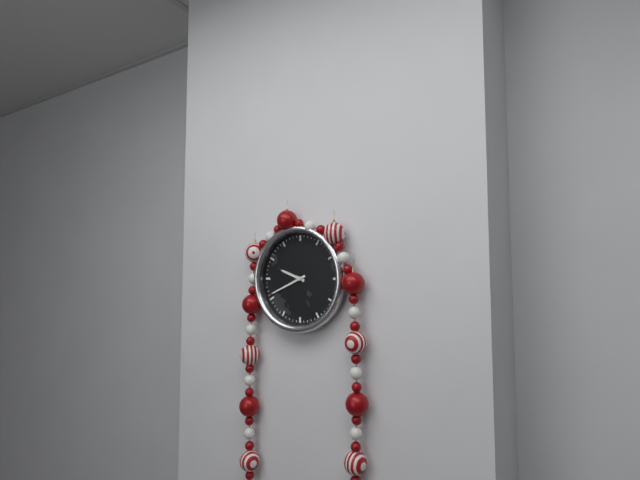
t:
**9:41**
